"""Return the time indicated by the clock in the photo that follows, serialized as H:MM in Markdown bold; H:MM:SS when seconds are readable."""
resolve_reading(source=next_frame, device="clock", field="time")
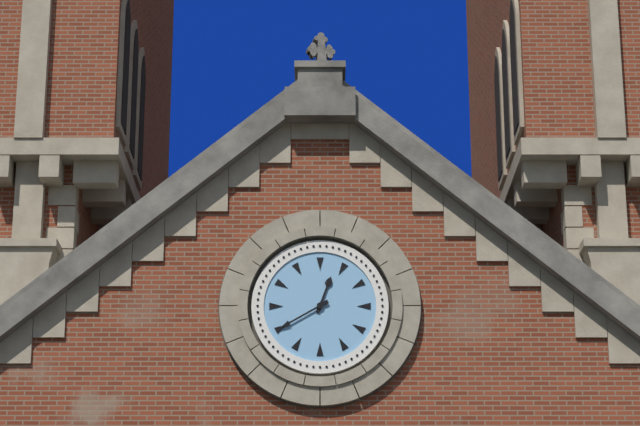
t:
**12:40**
